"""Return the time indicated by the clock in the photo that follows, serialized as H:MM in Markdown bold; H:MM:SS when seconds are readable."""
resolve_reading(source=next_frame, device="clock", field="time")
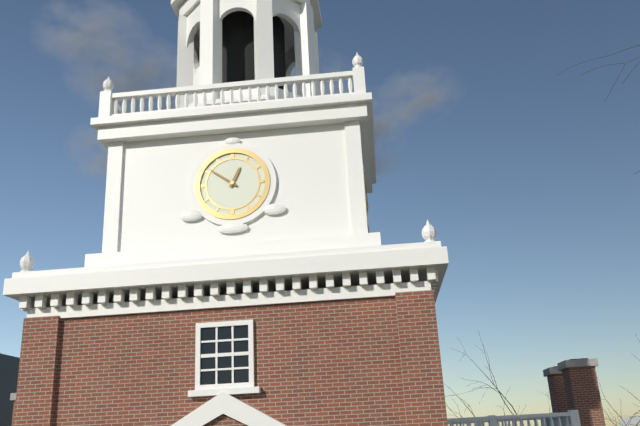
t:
**12:51**
